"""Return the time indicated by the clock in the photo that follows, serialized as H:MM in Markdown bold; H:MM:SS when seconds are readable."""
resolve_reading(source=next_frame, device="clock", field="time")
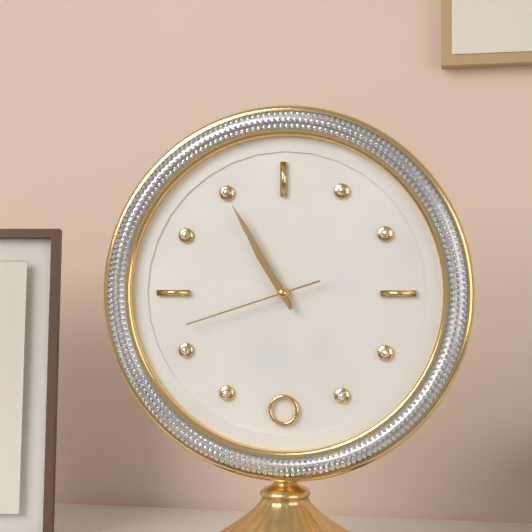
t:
**10:55:42**
